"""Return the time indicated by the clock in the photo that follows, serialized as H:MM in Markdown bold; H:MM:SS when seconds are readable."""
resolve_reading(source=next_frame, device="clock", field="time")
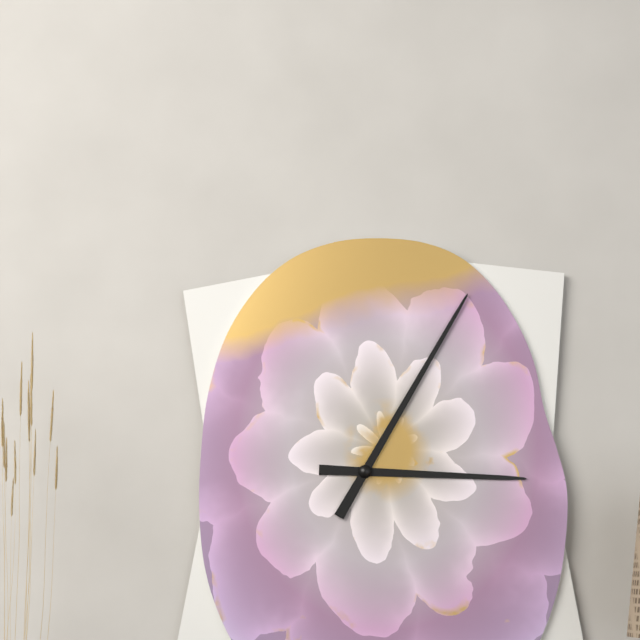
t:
**3:05**
